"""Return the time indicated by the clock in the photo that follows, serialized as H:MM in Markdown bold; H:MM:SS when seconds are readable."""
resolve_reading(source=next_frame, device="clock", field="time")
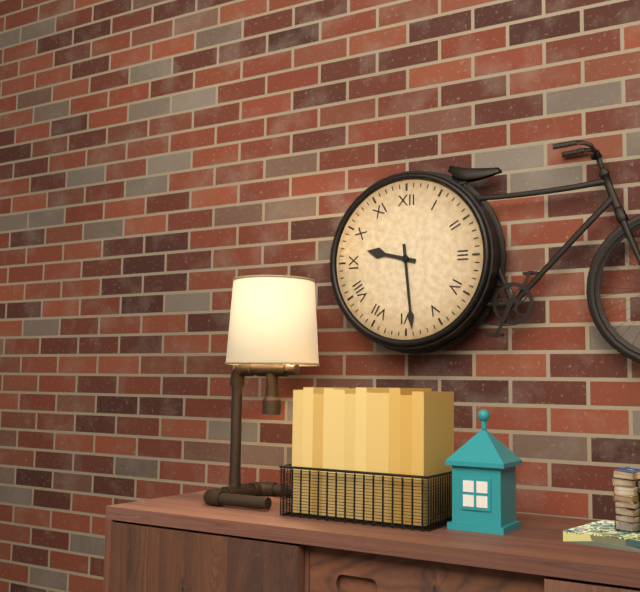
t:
**9:29**
